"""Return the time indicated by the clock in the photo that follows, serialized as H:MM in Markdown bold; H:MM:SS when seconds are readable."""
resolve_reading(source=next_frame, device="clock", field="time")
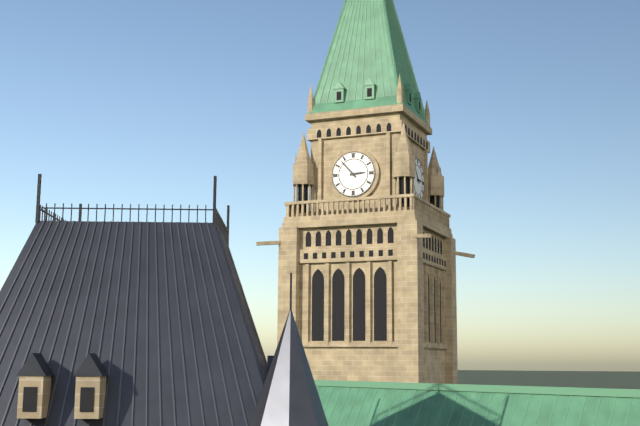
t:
**2:53**
